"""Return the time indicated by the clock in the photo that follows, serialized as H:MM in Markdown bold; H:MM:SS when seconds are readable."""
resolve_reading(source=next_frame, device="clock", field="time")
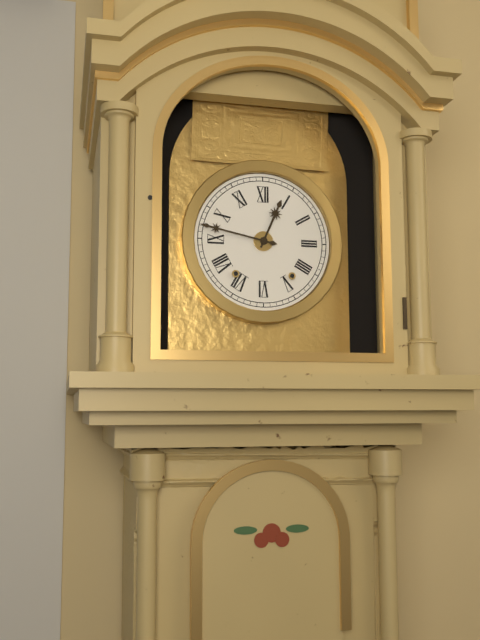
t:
**12:47**
